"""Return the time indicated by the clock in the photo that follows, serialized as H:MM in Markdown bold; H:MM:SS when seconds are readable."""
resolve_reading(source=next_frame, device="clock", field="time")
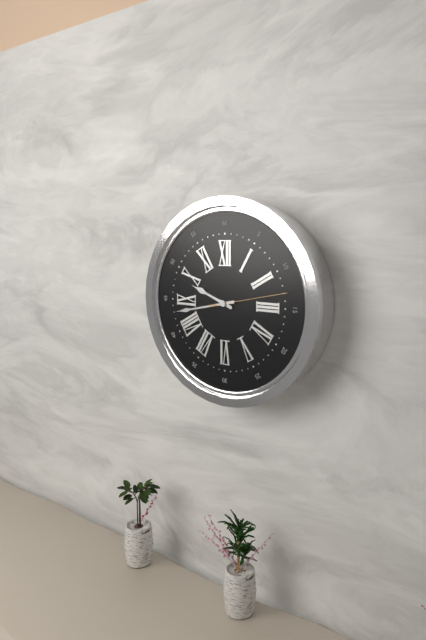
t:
**9:43:13**
